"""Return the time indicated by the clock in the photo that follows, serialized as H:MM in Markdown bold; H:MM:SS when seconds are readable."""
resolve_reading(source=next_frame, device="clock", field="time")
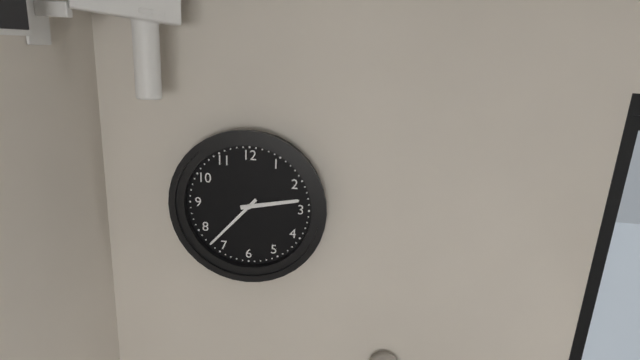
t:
**2:37**
